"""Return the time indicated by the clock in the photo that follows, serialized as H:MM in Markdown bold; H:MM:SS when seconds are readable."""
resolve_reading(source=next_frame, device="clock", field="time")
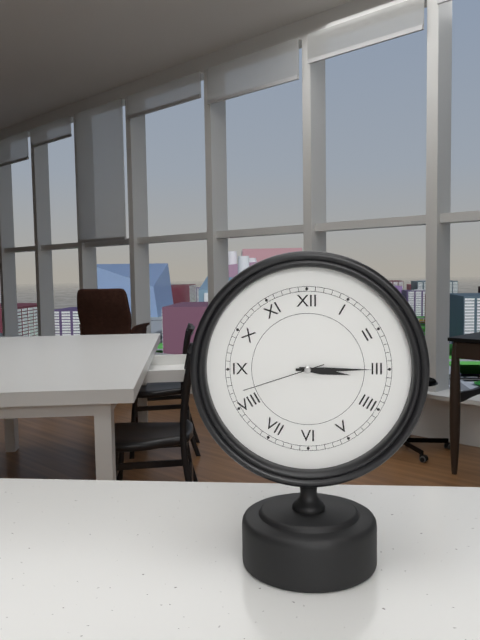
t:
**3:15:42**
